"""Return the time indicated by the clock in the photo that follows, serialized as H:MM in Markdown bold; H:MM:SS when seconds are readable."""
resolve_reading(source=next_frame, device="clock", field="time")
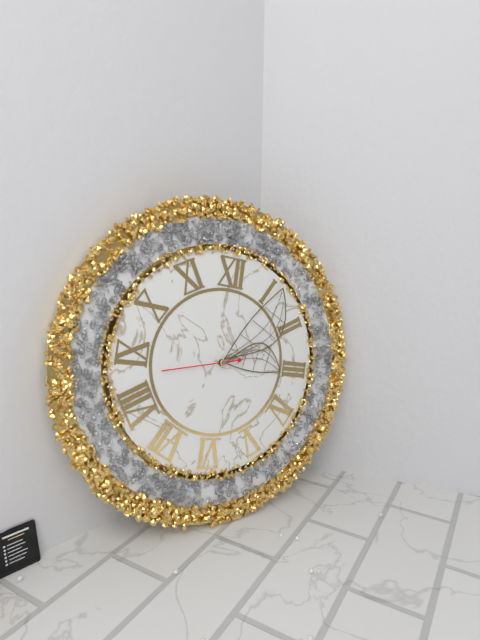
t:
**3:06:43**
